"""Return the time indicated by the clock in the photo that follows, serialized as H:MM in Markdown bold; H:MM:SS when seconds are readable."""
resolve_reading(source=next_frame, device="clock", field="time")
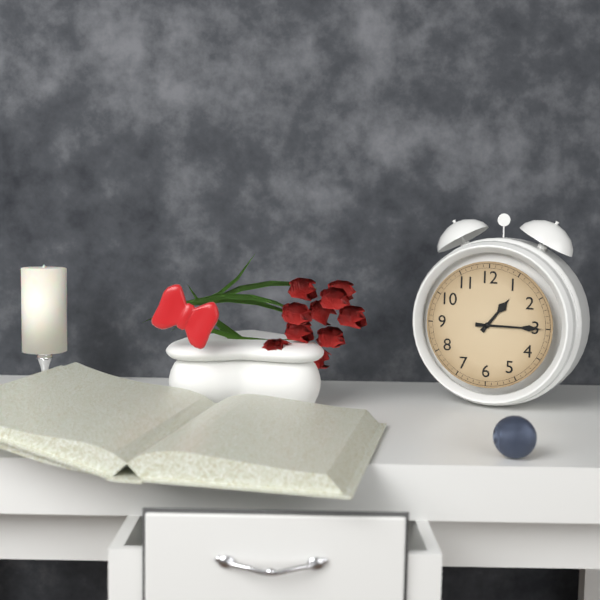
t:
**1:15**
